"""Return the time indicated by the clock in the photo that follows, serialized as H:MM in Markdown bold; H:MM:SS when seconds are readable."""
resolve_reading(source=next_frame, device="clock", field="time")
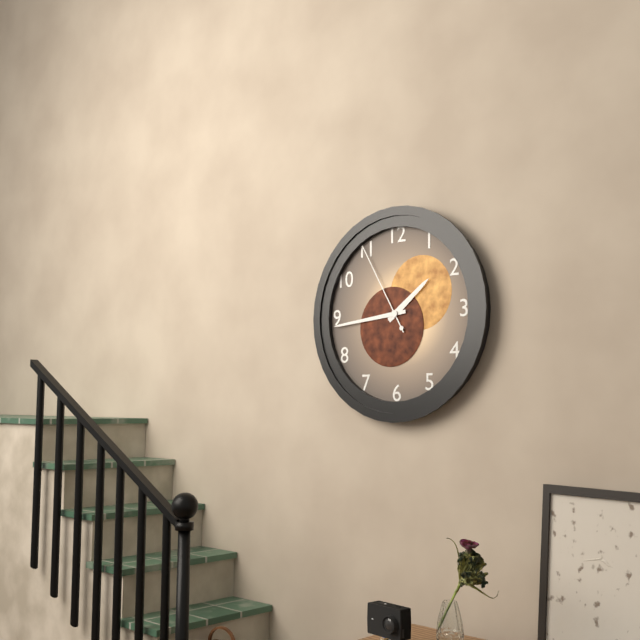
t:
**1:44:55**
